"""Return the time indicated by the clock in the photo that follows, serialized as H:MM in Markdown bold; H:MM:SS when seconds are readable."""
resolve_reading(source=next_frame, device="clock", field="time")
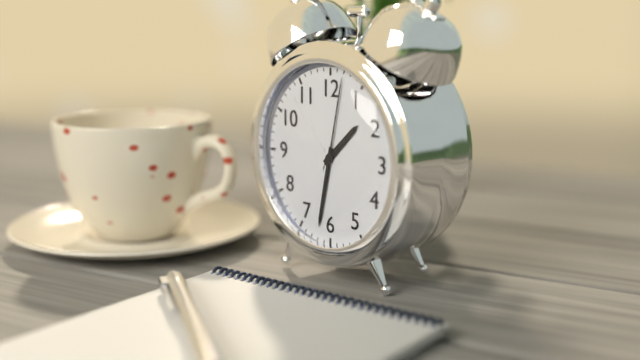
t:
**1:32:02**
